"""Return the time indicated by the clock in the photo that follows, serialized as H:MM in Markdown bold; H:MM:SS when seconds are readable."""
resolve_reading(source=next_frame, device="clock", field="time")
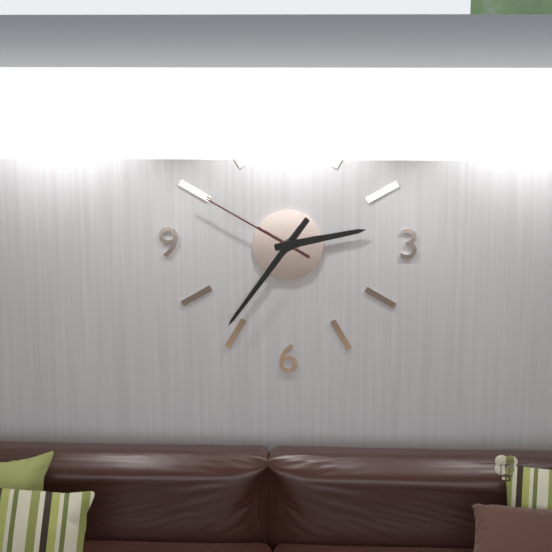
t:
**2:36:50**
